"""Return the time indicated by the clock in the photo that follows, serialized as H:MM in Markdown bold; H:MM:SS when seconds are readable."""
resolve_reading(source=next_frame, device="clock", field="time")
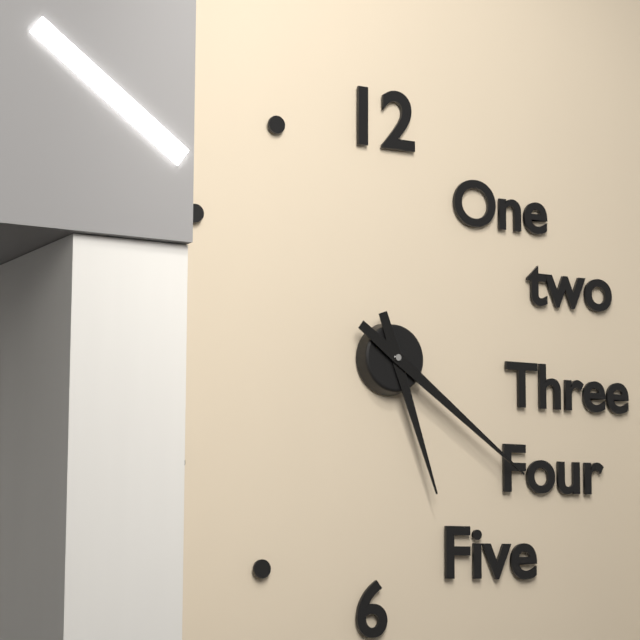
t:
**5:21**
